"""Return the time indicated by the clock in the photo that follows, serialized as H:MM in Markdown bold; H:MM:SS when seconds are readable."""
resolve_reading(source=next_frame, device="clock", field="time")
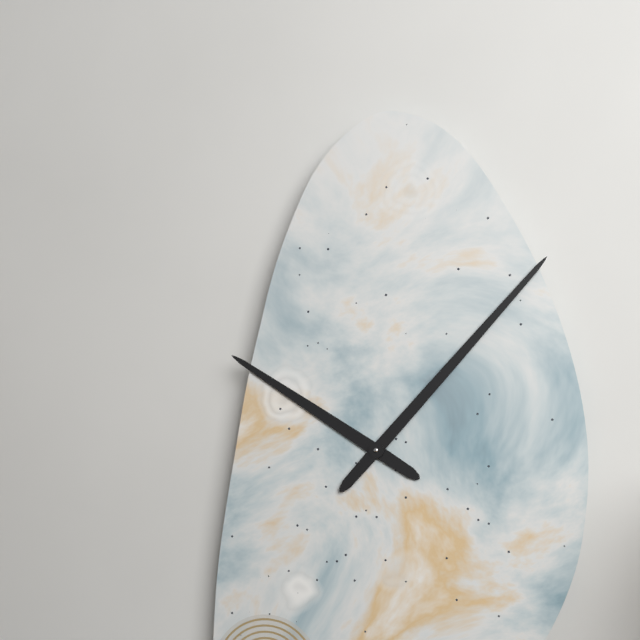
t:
**10:07**
